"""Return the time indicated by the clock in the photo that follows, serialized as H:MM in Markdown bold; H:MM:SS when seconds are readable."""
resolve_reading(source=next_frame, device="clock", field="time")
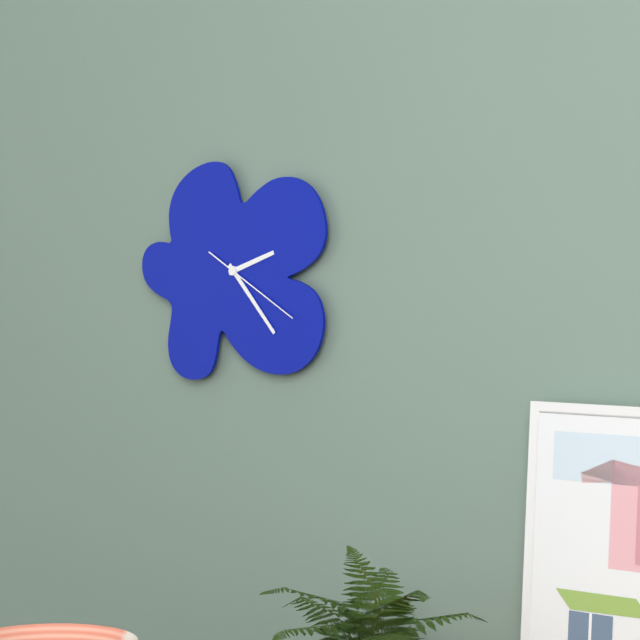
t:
**2:23:20**
